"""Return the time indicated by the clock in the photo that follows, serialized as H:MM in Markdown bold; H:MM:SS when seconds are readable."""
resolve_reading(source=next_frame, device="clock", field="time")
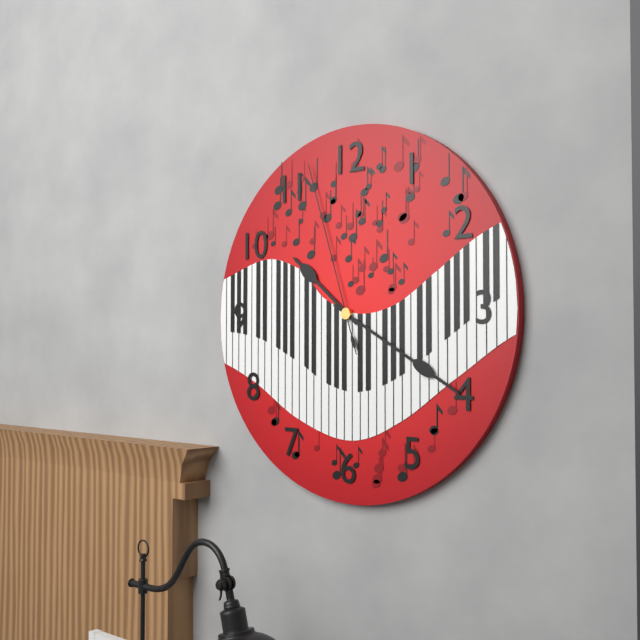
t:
**10:20:57**
